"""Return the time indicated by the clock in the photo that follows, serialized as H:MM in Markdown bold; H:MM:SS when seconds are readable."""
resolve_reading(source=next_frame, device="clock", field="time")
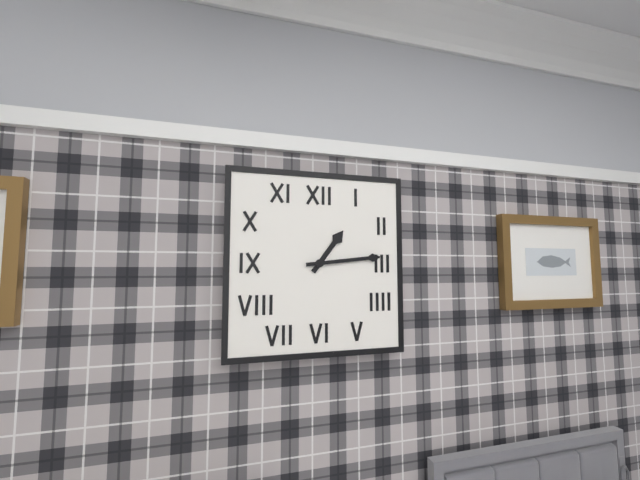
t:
**1:14**
